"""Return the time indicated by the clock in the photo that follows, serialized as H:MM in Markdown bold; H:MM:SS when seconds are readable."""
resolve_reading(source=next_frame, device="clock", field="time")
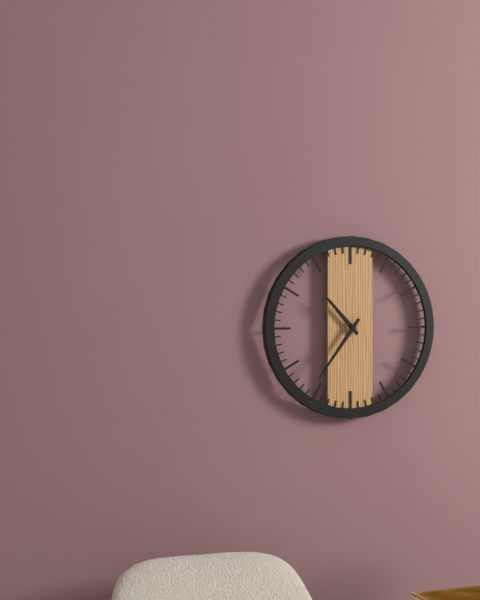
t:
**10:36**
